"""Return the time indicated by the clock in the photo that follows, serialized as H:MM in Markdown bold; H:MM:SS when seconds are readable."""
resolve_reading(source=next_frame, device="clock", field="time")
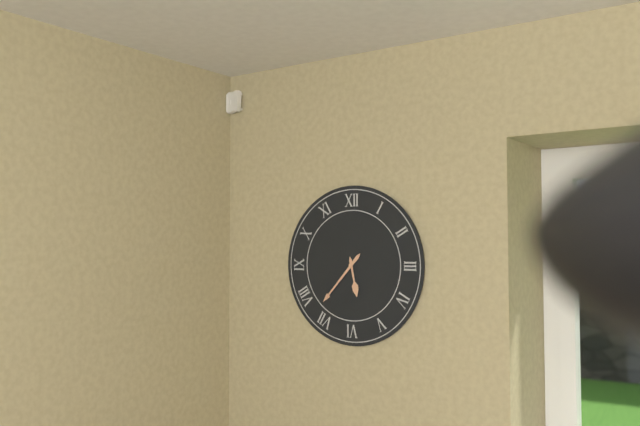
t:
**5:37**
